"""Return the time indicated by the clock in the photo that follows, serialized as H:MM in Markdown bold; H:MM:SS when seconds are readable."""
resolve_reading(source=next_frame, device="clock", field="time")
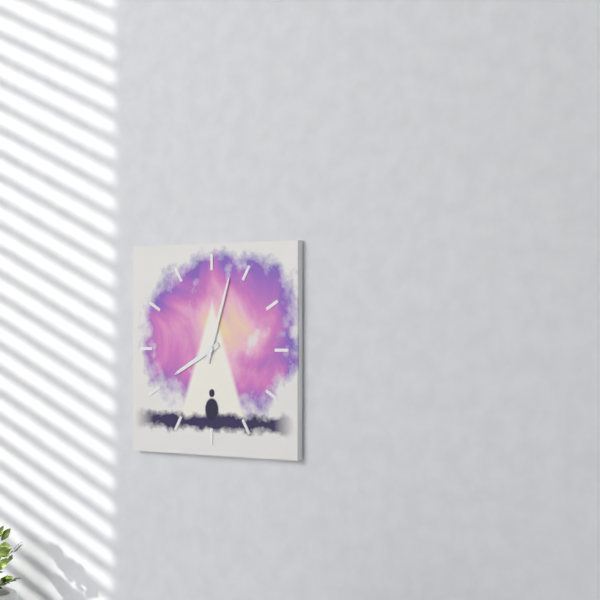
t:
**8:03**
